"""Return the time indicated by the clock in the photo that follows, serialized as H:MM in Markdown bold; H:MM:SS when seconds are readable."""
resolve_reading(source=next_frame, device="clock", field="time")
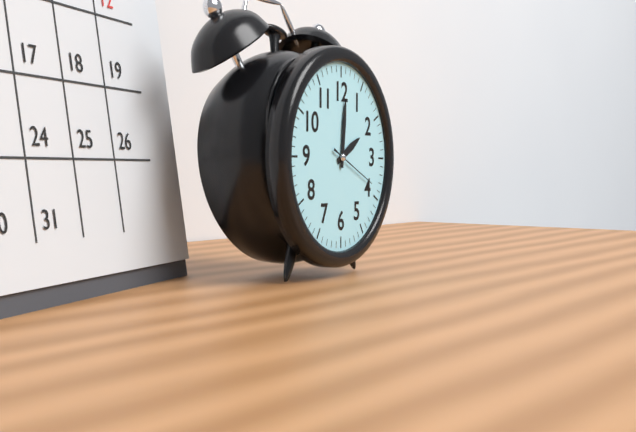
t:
**2:01:19**
